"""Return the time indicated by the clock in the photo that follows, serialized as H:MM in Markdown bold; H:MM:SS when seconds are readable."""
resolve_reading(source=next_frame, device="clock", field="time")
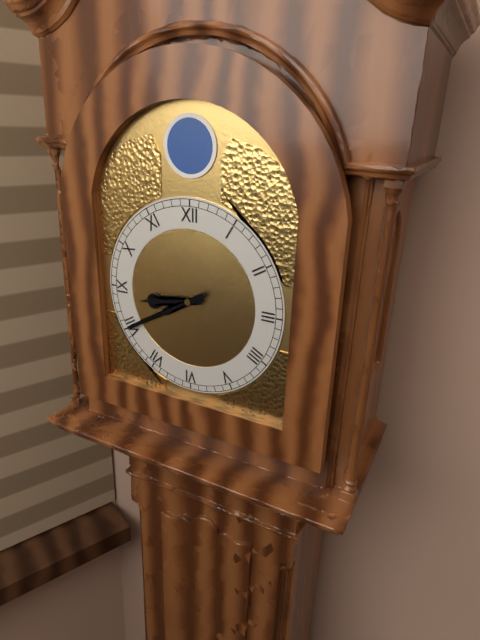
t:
**8:40**
